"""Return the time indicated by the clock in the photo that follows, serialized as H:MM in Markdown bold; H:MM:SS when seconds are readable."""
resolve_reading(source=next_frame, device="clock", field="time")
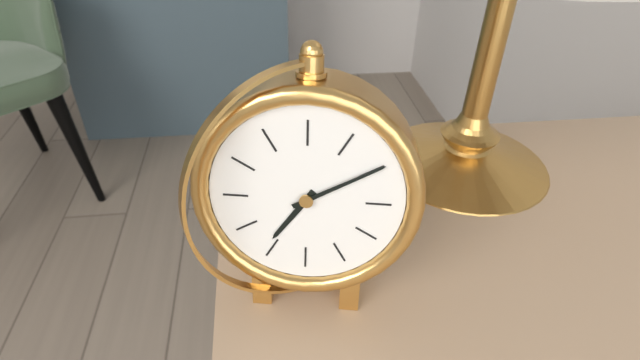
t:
**7:10**
